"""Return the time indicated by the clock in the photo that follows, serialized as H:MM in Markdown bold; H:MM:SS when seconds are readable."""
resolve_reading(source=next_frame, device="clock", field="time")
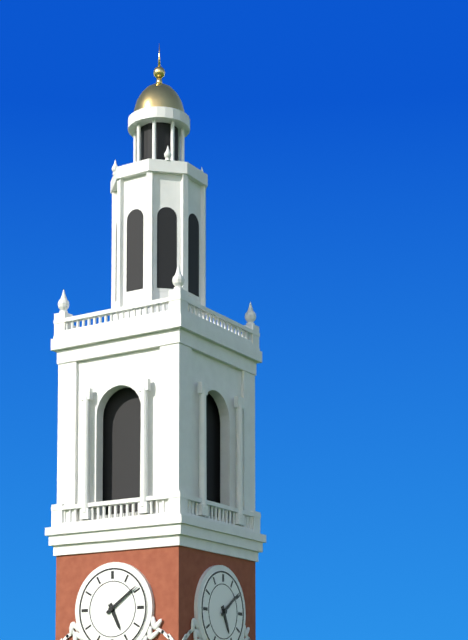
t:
**5:09**
